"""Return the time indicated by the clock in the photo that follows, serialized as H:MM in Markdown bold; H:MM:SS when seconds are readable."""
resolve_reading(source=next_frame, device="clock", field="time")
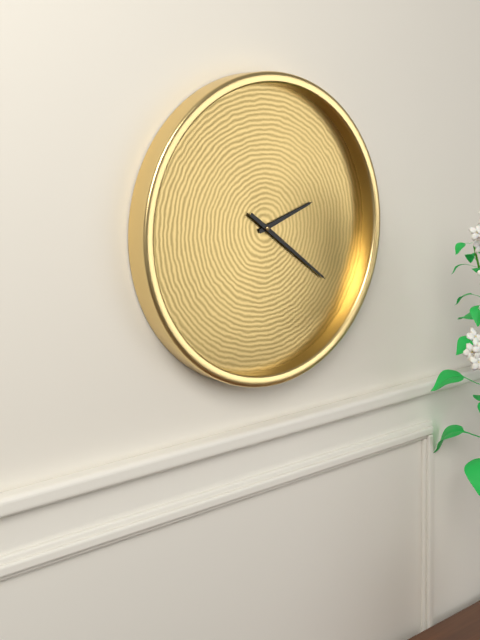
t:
**2:21**
